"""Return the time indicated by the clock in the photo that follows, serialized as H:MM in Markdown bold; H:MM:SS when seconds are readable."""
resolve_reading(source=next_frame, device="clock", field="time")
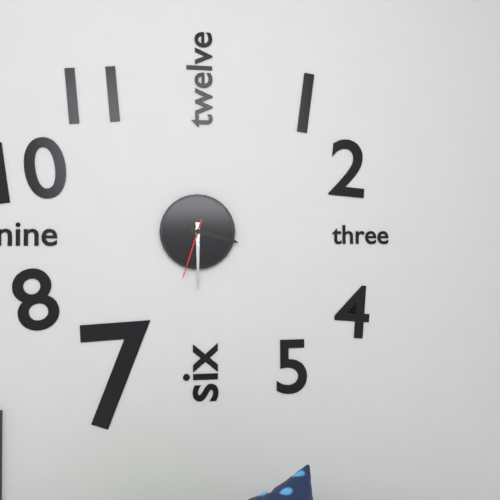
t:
**3:30:33**
